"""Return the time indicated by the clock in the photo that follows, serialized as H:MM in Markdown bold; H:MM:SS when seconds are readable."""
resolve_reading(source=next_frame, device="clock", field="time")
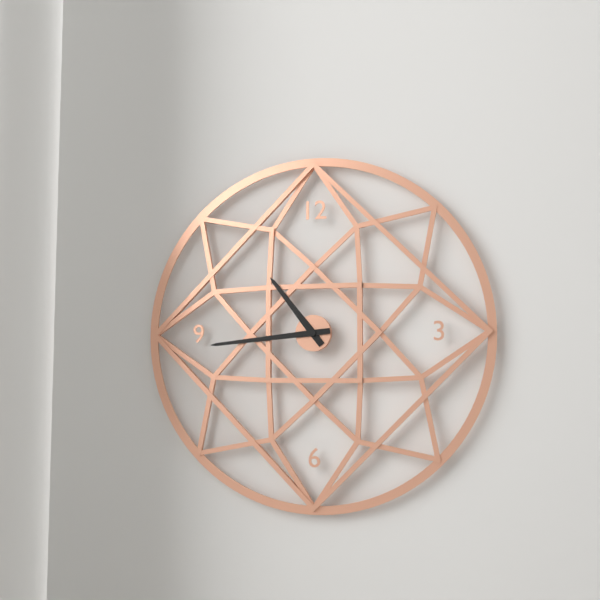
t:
**10:44**
